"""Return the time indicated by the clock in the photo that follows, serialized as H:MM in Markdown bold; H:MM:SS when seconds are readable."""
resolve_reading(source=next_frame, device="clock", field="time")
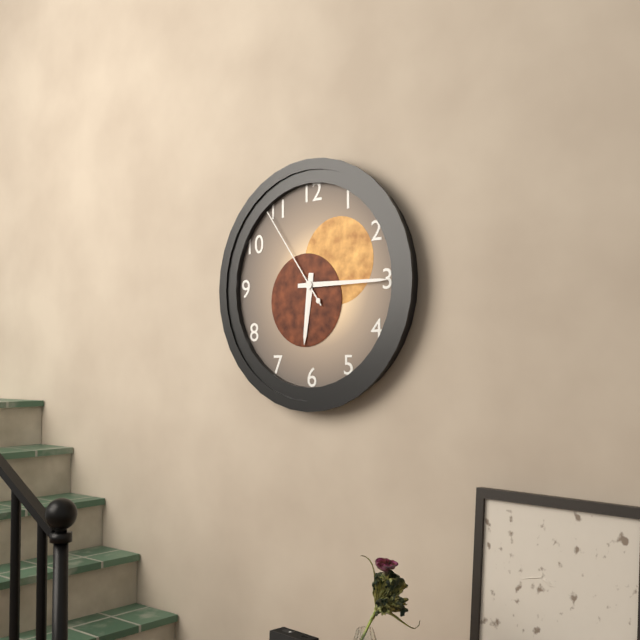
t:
**6:15:54**
